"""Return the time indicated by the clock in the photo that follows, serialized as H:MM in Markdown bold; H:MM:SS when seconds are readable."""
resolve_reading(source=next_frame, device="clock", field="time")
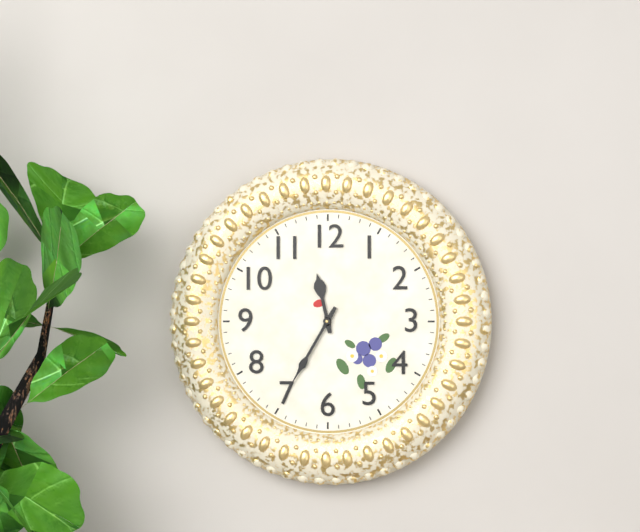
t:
**11:35**
